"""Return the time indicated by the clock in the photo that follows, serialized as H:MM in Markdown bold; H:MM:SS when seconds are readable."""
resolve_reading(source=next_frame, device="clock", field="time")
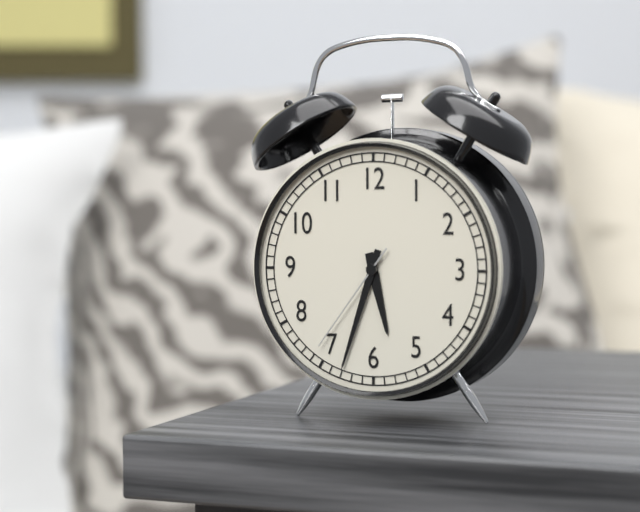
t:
**5:33:36**
